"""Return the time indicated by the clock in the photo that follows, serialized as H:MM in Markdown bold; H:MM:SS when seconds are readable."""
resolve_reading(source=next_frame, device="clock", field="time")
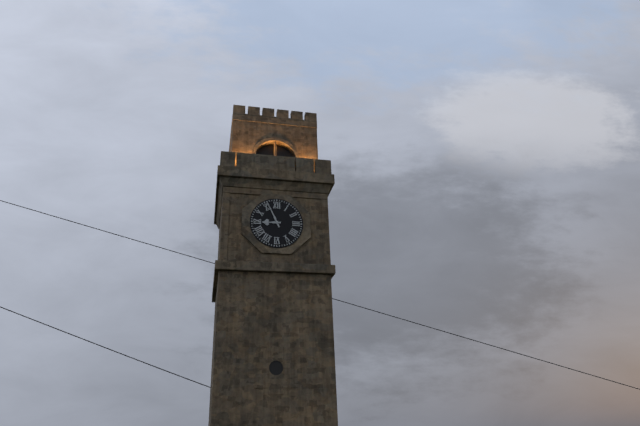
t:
**8:56**
